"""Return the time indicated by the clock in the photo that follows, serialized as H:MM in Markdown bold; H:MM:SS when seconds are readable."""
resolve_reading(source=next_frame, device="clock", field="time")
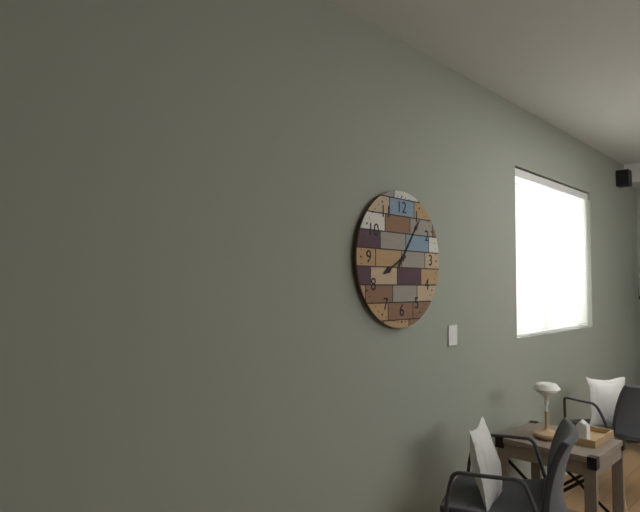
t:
**8:06**
